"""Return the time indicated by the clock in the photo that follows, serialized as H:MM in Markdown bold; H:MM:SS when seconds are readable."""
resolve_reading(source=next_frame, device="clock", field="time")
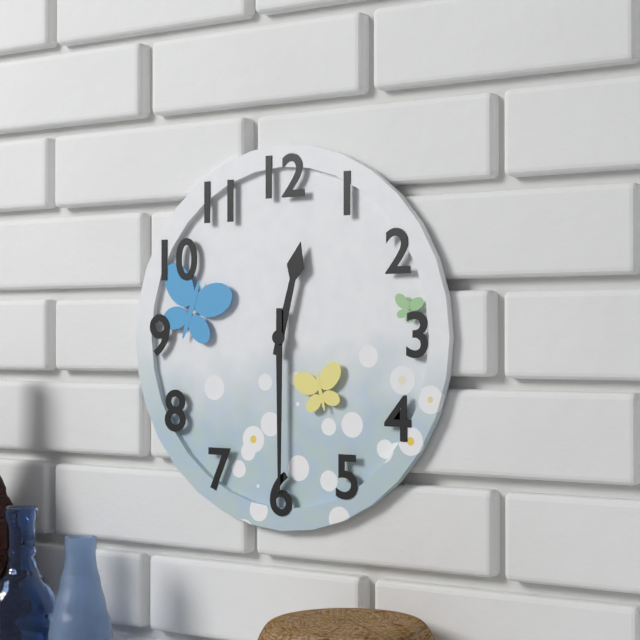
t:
**12:30**
